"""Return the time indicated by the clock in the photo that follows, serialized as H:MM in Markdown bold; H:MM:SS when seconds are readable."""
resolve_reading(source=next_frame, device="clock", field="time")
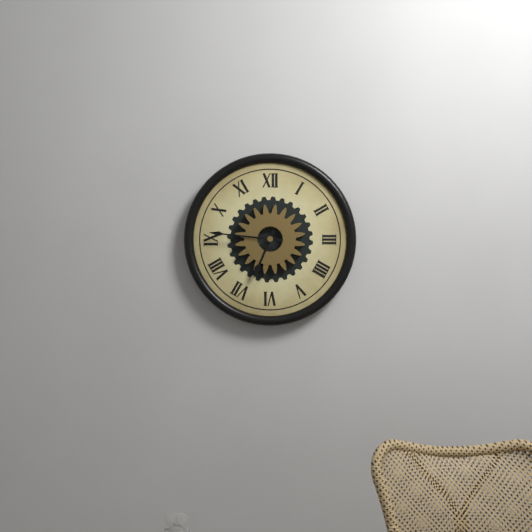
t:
**6:46**
